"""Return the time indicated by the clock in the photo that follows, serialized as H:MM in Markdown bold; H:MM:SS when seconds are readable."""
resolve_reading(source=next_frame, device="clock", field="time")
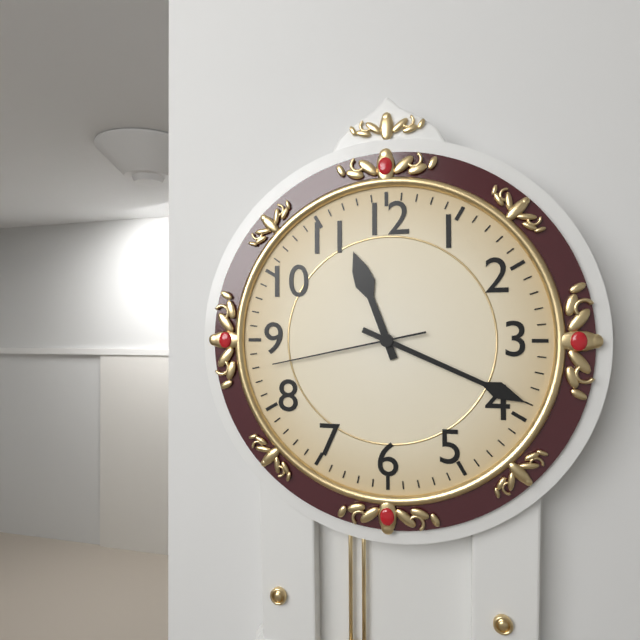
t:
**11:19:43**
